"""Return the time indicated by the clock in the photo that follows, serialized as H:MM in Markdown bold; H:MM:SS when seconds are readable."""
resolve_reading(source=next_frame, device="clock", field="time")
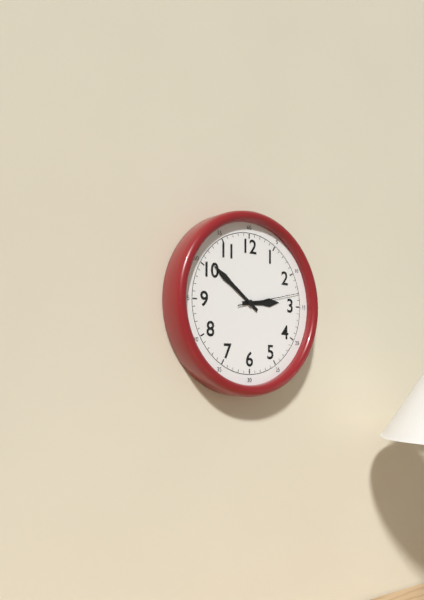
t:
**2:51:13**
